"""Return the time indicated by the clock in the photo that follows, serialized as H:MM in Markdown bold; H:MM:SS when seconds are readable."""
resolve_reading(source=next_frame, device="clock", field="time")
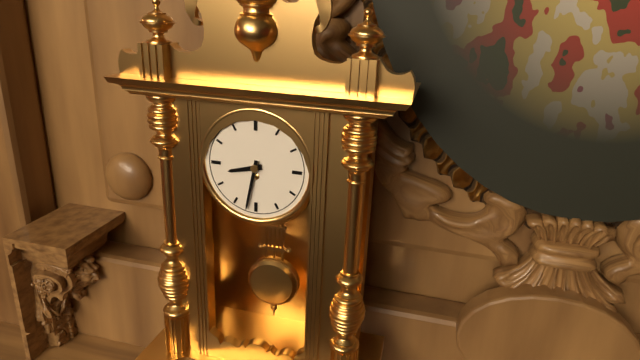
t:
**8:32**
